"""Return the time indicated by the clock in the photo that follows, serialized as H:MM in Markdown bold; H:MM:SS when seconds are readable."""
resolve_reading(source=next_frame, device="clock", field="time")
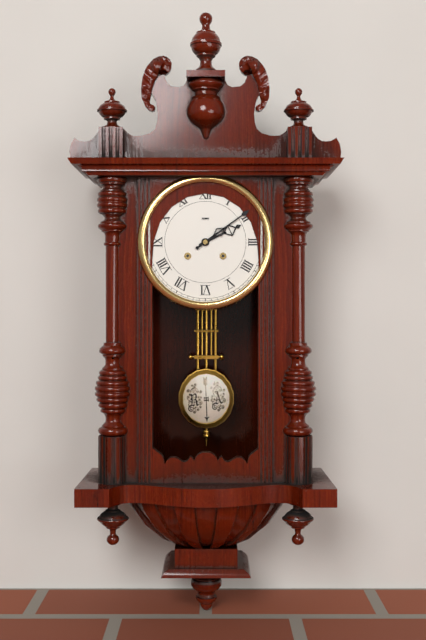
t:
**2:09**
